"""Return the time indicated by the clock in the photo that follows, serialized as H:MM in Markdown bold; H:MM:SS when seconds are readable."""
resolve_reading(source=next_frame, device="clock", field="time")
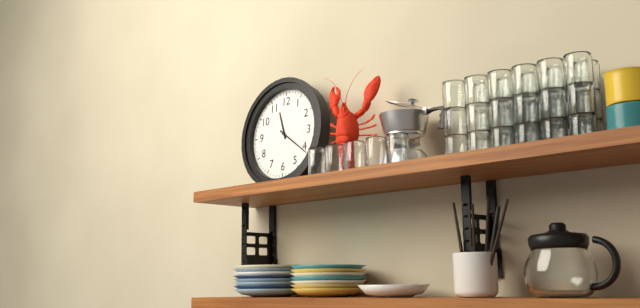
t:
**11:21**
